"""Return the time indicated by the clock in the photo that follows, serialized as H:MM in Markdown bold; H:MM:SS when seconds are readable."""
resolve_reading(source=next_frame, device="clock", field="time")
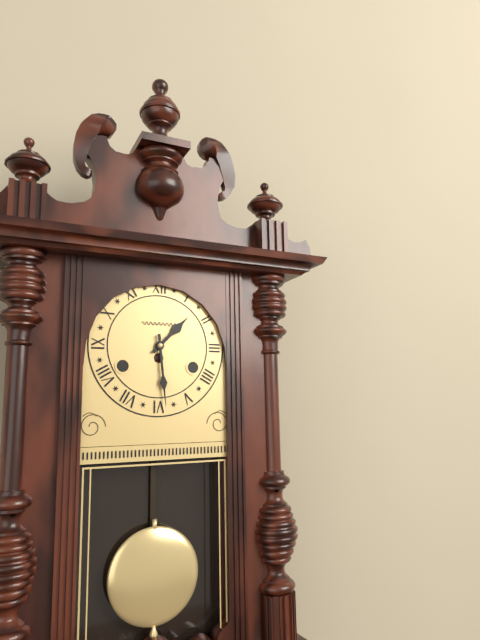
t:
**1:29**
